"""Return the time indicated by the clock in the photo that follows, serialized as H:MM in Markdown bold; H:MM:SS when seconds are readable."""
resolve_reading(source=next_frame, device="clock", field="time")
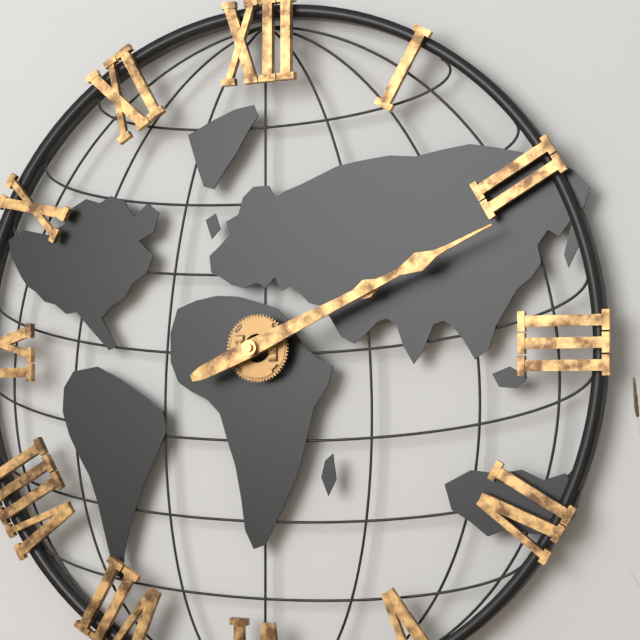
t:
**2:11**
